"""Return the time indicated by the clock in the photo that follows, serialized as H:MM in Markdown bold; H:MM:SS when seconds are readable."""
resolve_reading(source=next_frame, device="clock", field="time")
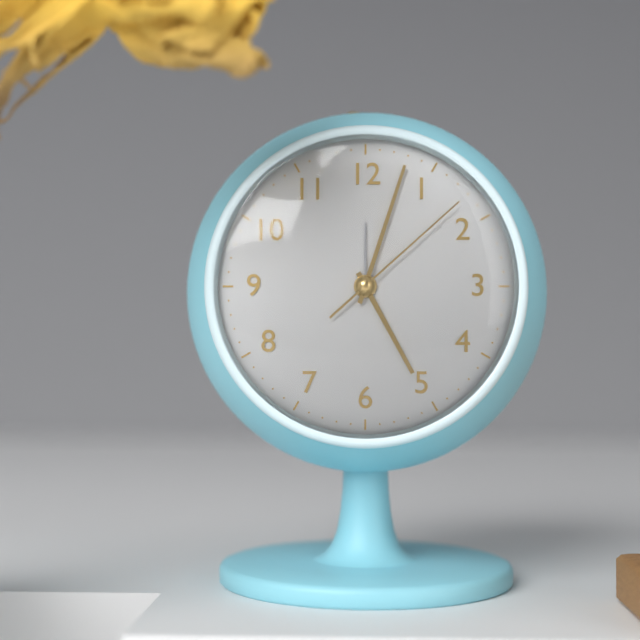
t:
**5:03:08**
